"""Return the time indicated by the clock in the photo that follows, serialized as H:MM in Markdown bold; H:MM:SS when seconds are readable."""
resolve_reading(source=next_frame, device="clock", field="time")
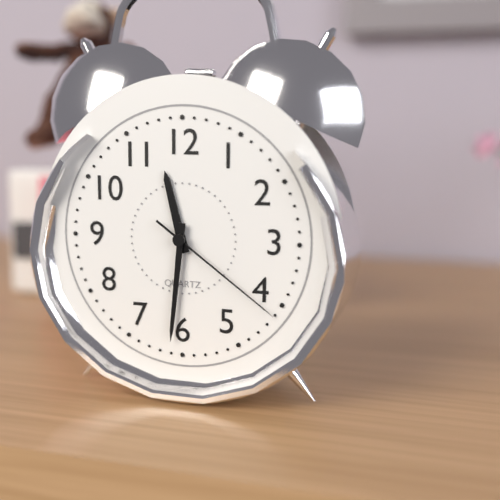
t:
**11:31:21**
